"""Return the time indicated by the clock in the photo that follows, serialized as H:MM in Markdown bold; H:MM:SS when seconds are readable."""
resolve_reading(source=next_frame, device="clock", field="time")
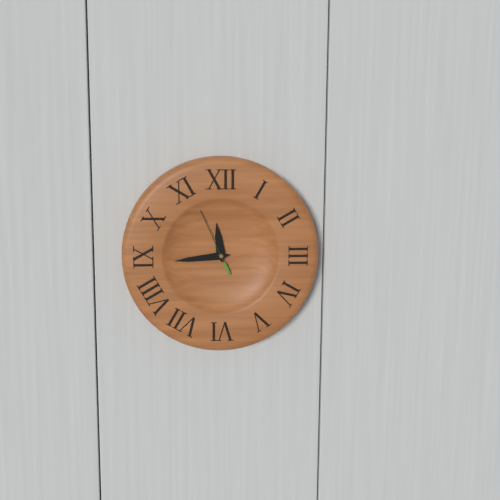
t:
**11:44:56**
